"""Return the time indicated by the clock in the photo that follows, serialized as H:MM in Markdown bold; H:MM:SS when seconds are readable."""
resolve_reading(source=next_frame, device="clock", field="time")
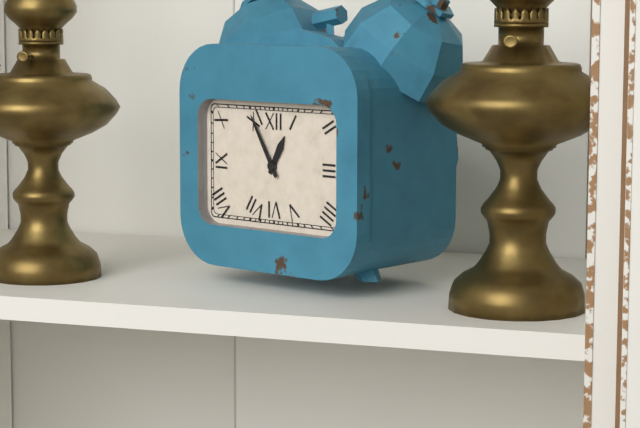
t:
**12:55**
